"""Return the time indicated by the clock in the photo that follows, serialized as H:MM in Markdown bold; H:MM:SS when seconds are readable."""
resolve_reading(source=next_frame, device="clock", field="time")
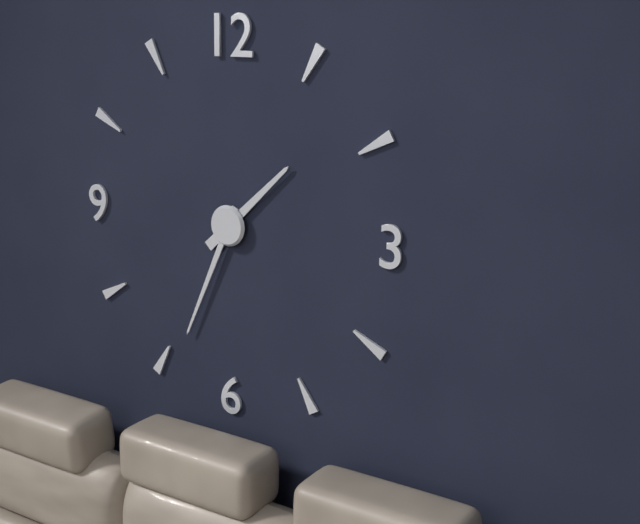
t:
**1:34**
